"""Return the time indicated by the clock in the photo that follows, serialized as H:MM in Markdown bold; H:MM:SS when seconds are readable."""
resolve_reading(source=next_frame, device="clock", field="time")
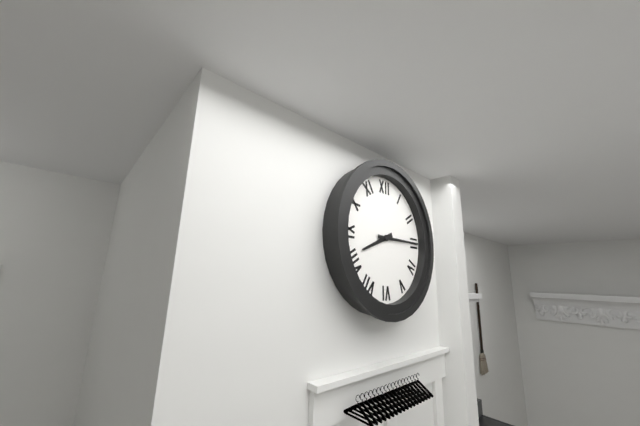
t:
**8:15**
